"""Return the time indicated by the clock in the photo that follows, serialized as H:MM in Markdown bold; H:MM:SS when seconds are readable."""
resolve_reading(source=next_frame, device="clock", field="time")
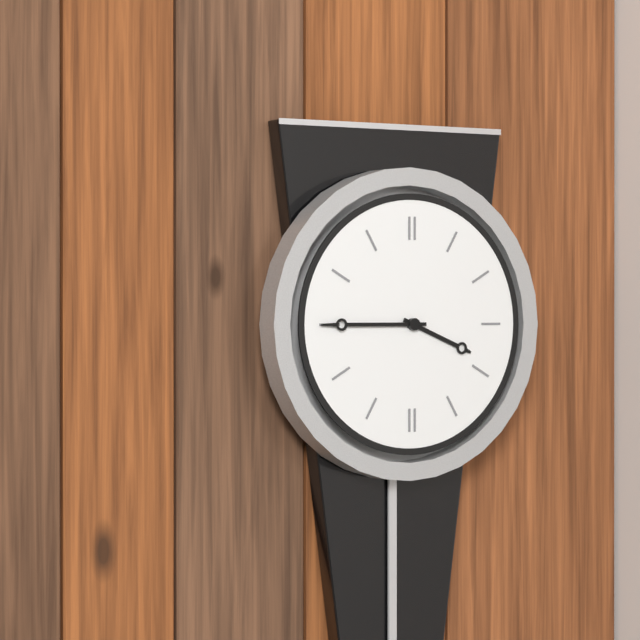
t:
**3:45**
